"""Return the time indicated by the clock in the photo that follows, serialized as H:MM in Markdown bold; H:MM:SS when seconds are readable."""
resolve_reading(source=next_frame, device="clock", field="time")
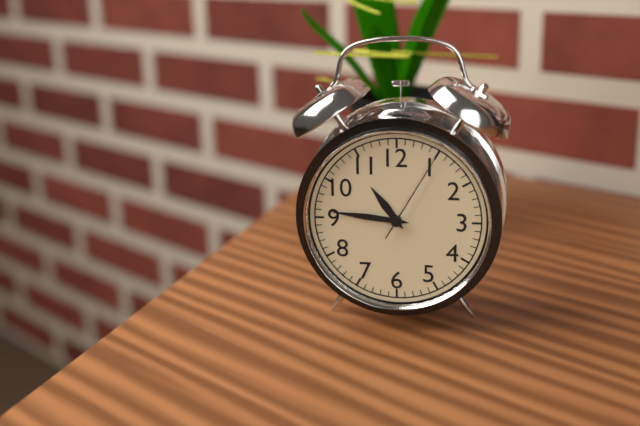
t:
**10:46:05**
